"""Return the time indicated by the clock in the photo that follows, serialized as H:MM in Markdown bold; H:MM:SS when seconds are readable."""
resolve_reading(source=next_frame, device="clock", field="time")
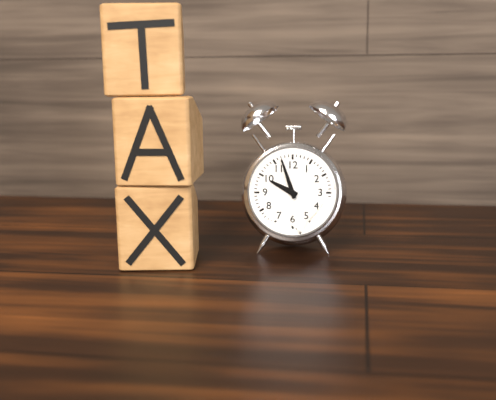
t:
**9:57**
